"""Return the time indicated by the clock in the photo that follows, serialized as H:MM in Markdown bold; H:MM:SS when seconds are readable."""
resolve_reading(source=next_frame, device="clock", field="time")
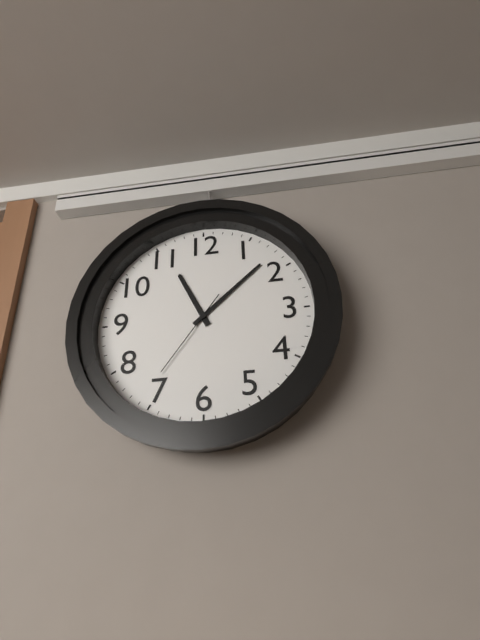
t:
**11:08:36**
